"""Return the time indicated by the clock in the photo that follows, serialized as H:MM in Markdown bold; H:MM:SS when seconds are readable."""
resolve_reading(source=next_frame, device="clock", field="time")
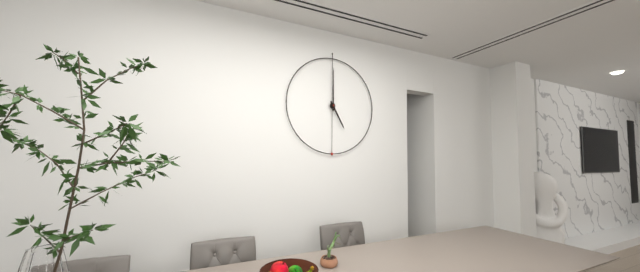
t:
**5:00**
